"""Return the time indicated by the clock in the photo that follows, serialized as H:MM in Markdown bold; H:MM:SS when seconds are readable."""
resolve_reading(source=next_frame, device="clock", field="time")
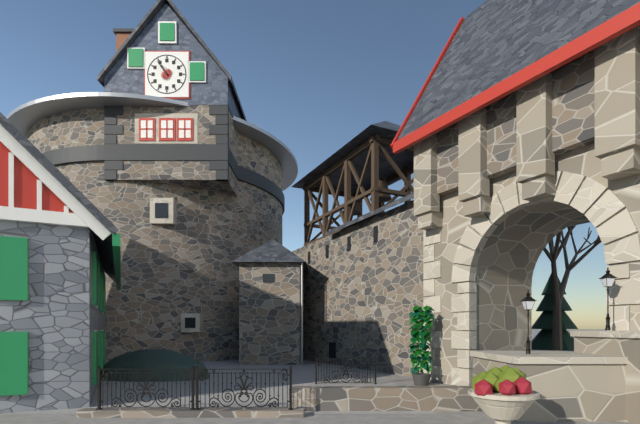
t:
**10:54**
